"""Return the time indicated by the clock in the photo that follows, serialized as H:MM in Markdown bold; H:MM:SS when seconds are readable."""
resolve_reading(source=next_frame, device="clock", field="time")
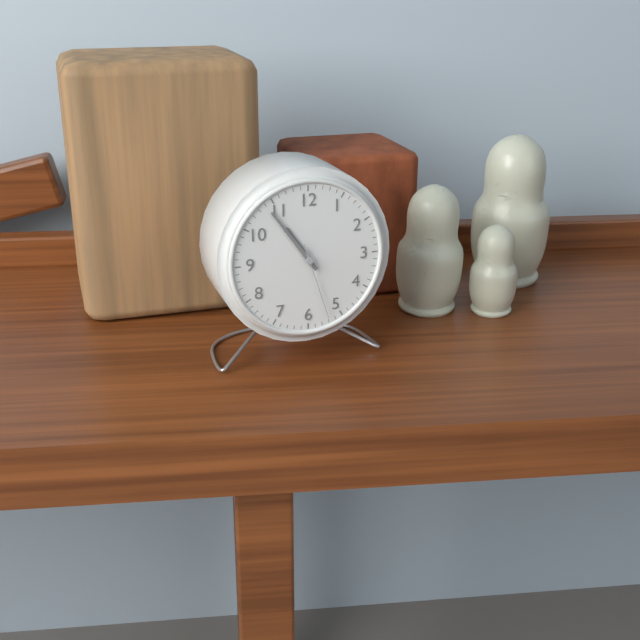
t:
**10:54:27**
